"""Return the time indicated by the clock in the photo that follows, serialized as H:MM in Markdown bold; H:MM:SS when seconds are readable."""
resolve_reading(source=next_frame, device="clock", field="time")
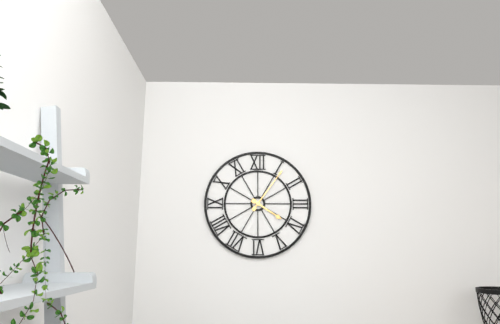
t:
**4:06**
